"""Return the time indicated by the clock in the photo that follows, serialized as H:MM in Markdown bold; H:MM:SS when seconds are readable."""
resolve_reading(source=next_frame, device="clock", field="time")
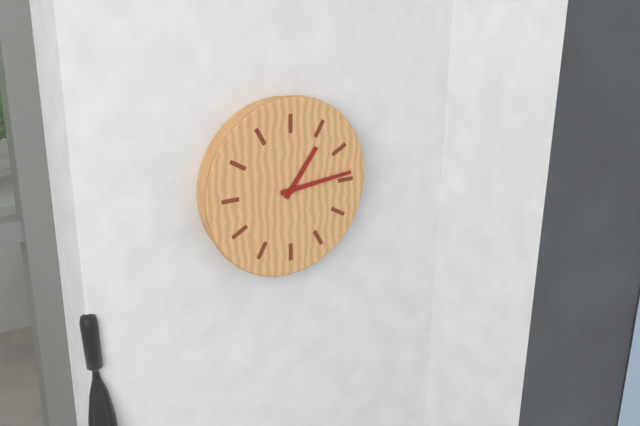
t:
**1:14**
